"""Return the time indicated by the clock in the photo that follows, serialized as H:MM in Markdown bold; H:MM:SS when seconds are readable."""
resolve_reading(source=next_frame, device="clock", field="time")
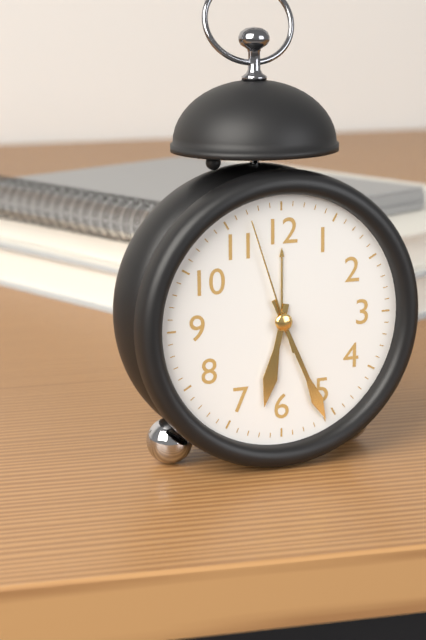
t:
**6:26:57**
